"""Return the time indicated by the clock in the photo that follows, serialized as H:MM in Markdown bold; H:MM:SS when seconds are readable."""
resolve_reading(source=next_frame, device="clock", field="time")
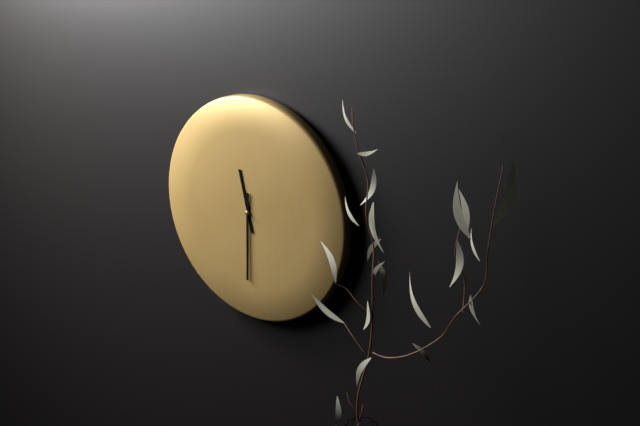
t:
**11:30**
